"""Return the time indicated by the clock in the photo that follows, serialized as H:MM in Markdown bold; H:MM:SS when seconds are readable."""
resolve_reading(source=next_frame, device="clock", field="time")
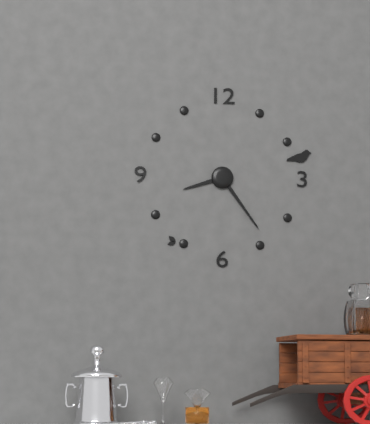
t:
**8:24**
